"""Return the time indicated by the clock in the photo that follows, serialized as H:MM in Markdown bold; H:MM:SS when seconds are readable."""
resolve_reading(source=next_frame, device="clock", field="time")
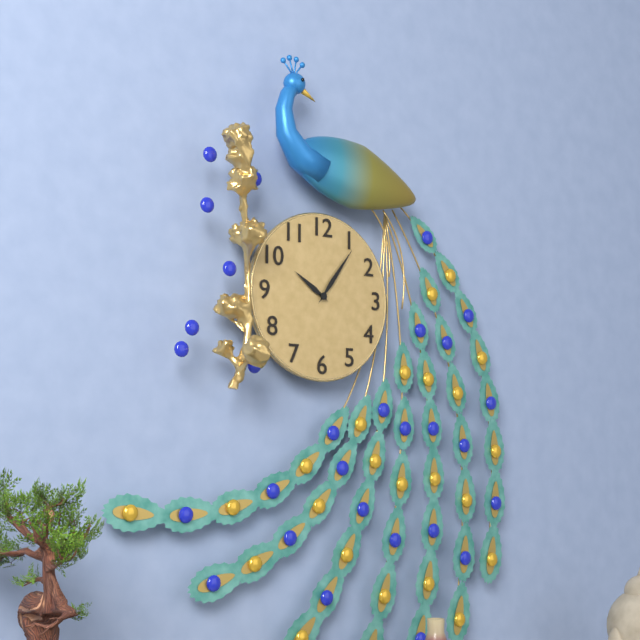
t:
**10:06**
